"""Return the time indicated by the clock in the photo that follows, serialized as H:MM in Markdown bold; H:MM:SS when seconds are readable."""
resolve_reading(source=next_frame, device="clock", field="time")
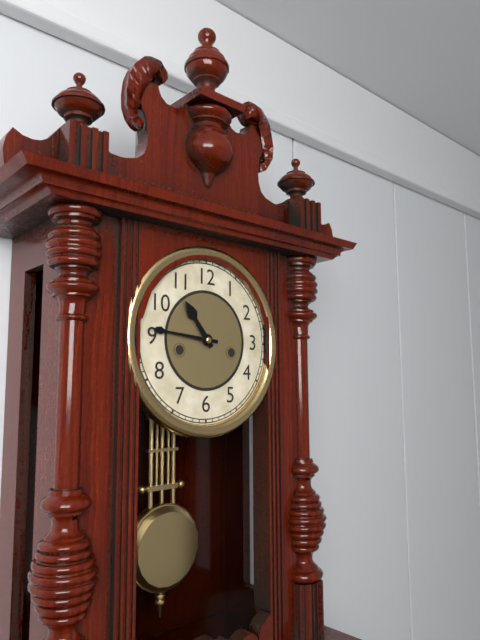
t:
**10:46**
